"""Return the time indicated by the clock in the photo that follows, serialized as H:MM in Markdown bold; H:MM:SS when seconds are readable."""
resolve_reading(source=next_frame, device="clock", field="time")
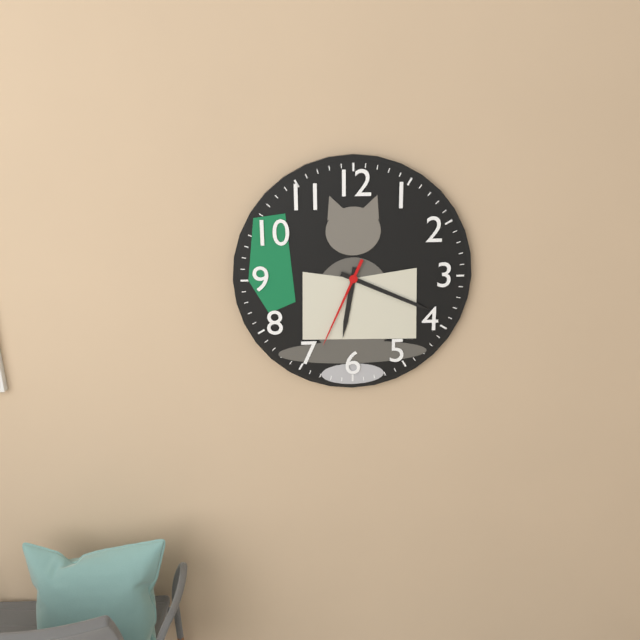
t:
**6:19:34**
